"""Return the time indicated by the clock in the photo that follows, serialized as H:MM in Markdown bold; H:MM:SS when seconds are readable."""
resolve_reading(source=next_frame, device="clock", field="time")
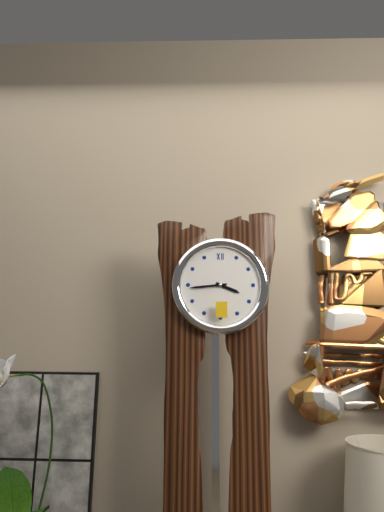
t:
**3:44**
